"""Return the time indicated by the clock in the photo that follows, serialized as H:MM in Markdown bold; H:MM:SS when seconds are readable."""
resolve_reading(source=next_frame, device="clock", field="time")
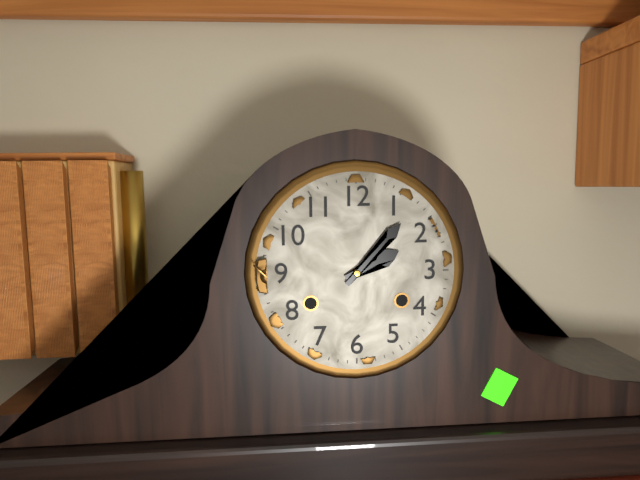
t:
**2:07**
